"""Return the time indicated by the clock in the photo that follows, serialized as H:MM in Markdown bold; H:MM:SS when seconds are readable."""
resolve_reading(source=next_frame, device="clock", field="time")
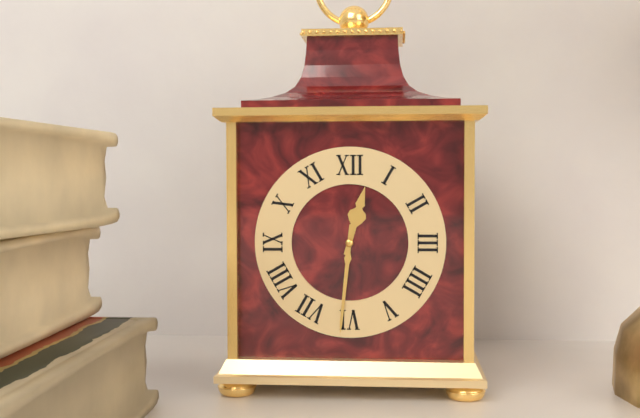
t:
**12:31**
